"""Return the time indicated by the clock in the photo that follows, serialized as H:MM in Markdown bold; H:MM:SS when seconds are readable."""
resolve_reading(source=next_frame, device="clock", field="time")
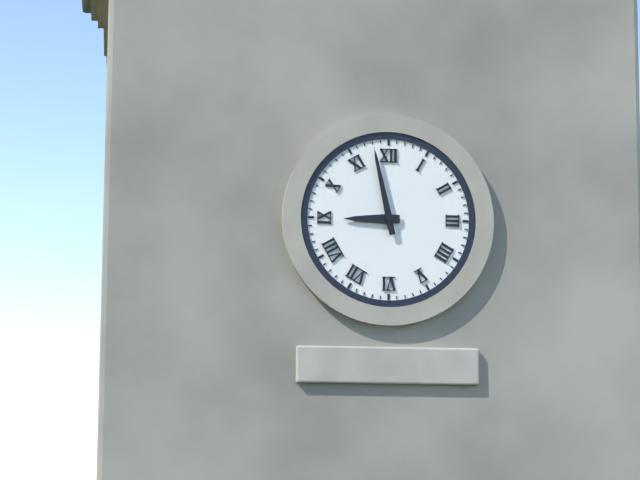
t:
**8:58**
